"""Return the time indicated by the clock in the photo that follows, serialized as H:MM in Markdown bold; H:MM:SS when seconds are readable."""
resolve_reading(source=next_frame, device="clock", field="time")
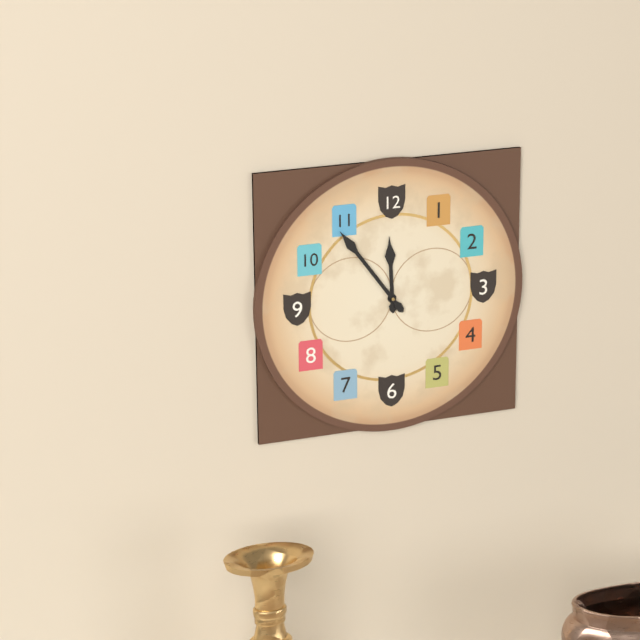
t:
**11:54**
